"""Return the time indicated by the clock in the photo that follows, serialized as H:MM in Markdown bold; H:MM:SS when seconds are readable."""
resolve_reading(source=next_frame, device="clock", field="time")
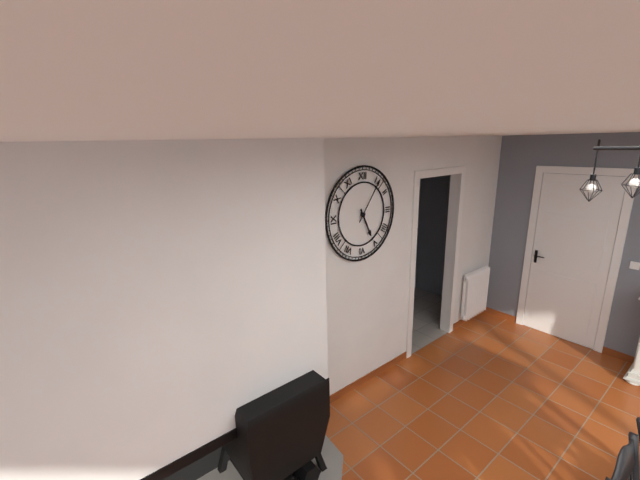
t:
**5:06**
